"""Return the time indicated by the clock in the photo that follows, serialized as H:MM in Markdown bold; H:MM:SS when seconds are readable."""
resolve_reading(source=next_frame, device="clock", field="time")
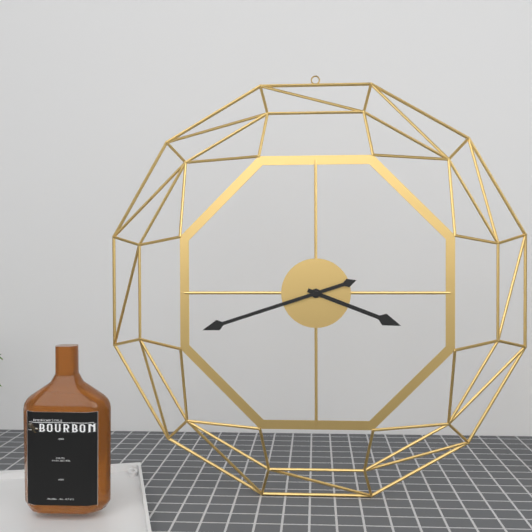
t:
**3:42**
